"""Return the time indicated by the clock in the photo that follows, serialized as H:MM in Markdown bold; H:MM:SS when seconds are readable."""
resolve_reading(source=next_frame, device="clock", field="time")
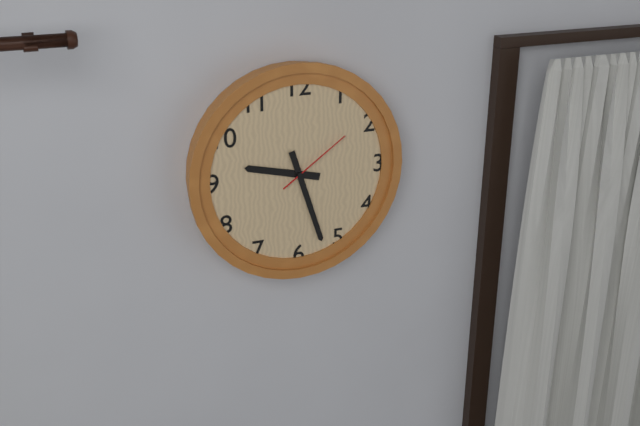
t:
**9:27:09**
